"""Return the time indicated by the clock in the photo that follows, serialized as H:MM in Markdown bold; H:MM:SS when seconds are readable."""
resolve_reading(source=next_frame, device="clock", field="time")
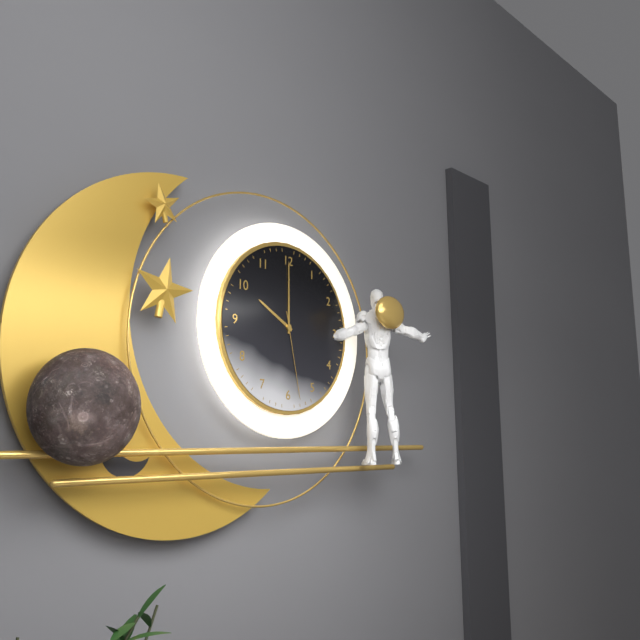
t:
**10:00:28**
